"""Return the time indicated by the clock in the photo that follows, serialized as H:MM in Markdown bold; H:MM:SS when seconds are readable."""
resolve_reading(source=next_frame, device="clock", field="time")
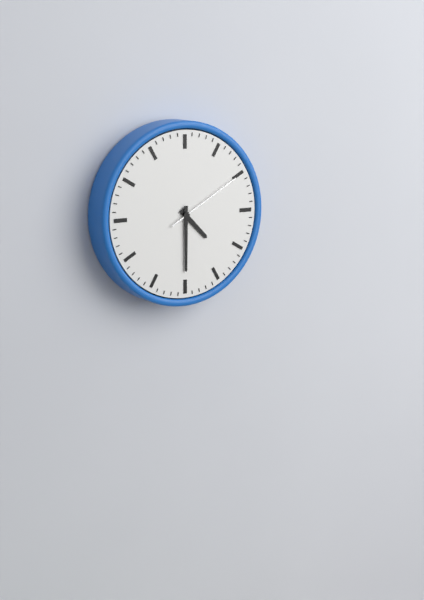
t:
**4:30:10**
